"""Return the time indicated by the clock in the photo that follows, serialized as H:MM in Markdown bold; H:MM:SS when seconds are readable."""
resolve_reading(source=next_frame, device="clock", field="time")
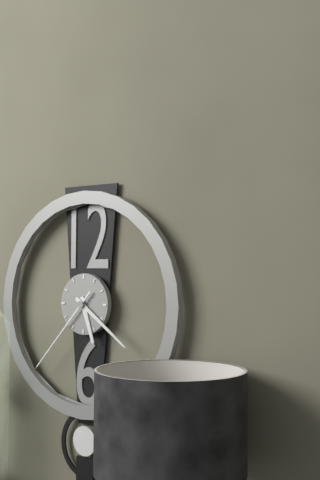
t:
**5:21:37**
